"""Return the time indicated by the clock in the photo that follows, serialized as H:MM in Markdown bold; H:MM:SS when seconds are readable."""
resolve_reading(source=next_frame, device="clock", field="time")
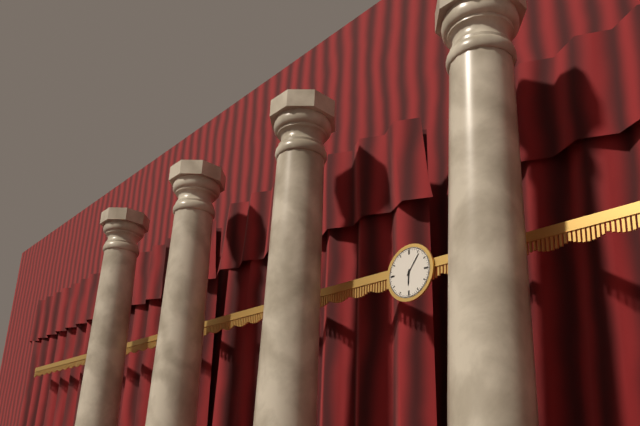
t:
**6:06**
